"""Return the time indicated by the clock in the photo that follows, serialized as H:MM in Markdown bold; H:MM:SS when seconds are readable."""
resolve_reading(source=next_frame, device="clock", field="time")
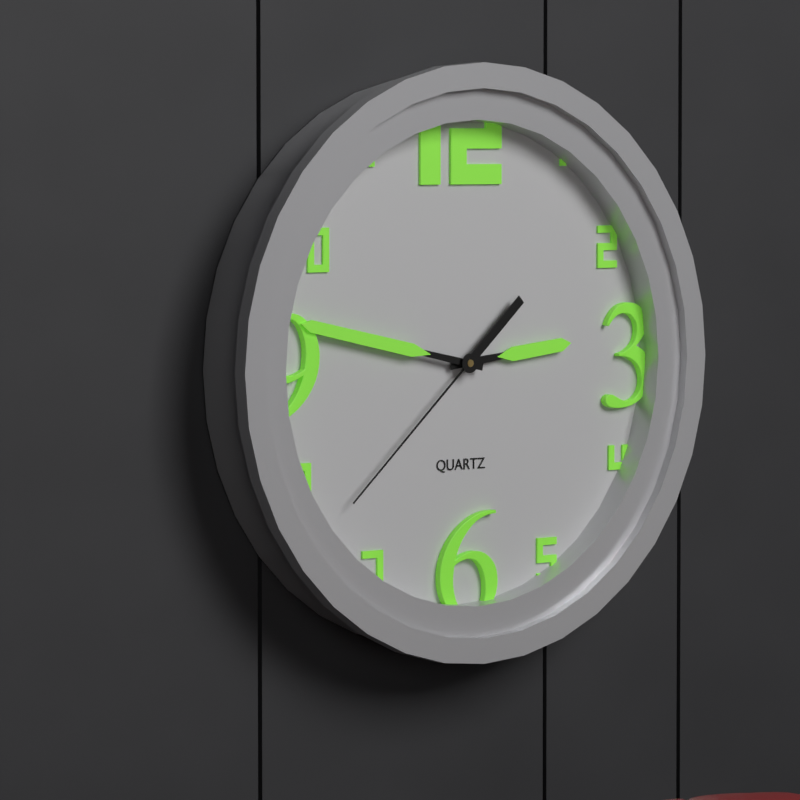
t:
**2:47:38**
